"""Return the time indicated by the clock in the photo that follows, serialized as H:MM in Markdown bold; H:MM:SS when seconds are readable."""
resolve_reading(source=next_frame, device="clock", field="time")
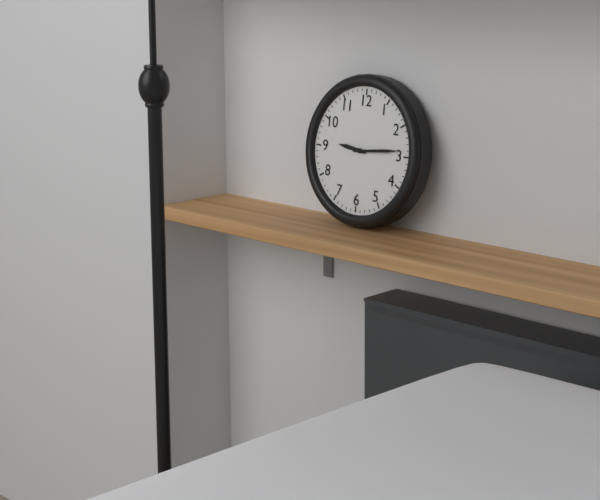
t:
**9:14**
